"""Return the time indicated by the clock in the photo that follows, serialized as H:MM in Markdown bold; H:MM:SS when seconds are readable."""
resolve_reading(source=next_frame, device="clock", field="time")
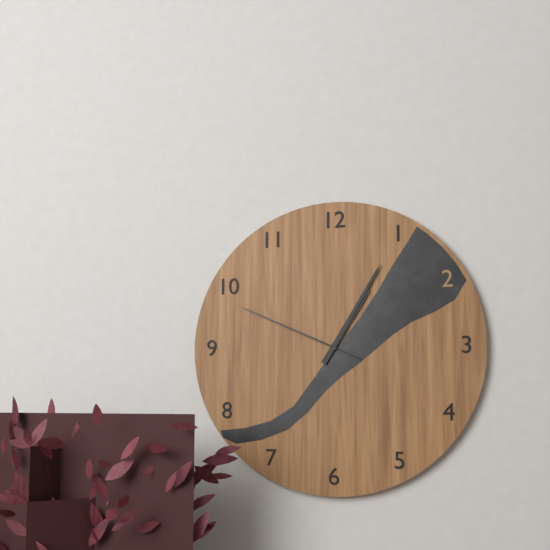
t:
**1:05:49**
